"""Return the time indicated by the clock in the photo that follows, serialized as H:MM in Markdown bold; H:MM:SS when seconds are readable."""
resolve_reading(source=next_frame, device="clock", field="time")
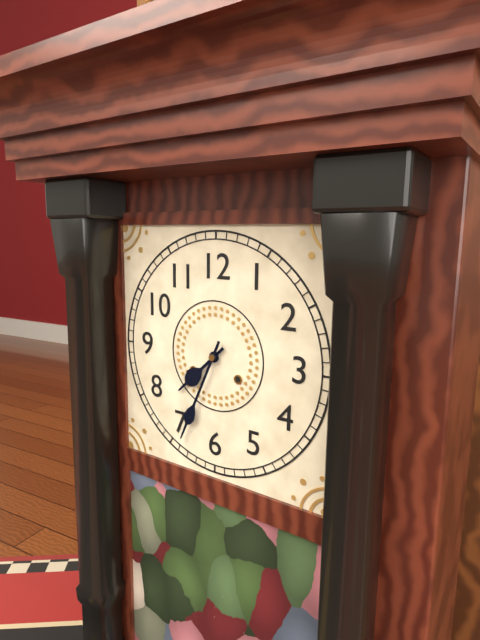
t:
**7:34**
